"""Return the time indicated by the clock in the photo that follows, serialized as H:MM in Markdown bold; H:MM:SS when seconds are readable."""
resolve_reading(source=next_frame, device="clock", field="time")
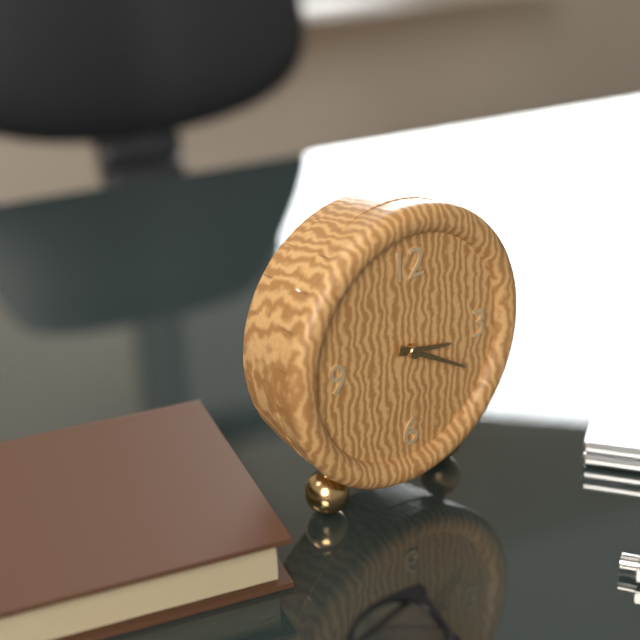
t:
**3:20**
